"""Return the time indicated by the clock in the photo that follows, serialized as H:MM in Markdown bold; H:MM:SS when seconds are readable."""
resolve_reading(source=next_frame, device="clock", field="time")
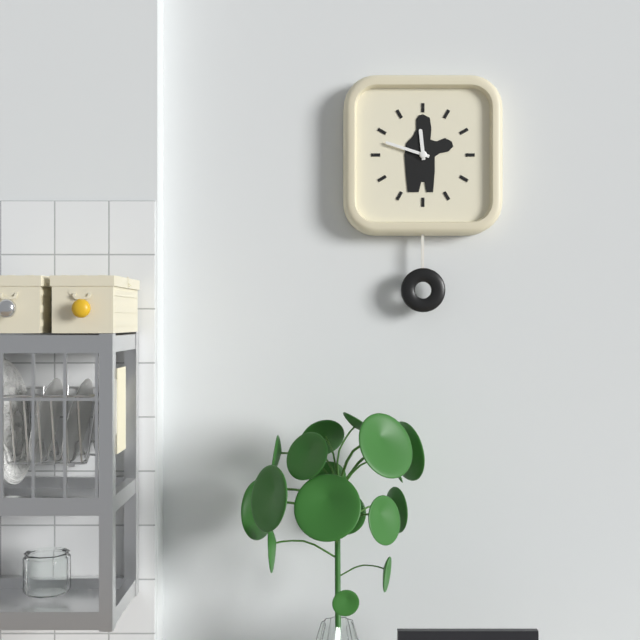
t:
**11:48**
